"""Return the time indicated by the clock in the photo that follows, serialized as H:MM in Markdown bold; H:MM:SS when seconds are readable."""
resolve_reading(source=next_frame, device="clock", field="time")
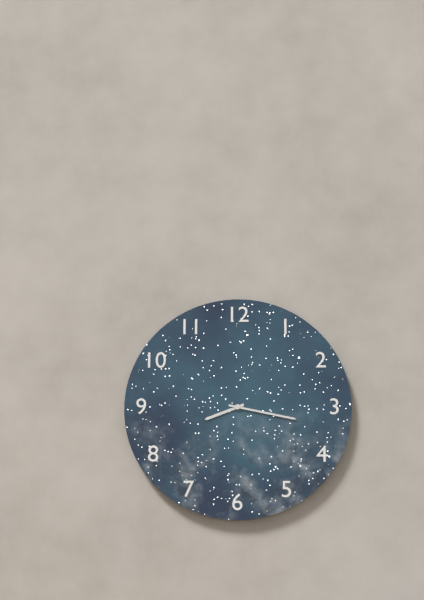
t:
**8:17**
